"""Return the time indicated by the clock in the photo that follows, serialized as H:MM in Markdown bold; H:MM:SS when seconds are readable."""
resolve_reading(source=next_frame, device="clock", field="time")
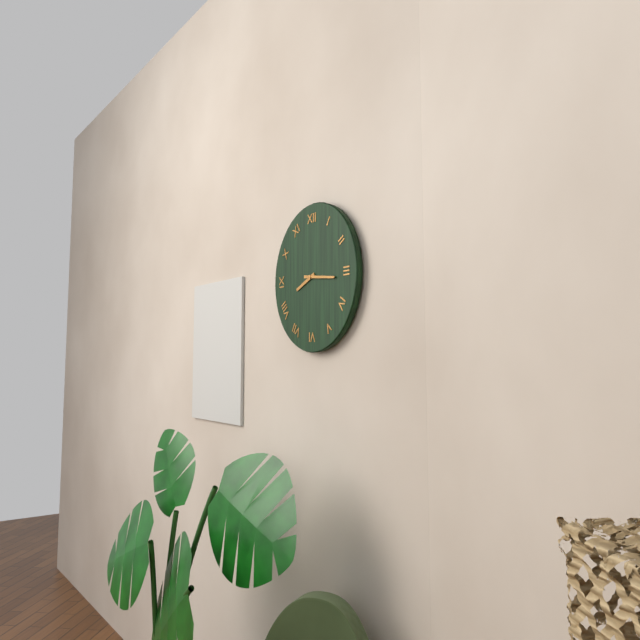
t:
**8:16**
